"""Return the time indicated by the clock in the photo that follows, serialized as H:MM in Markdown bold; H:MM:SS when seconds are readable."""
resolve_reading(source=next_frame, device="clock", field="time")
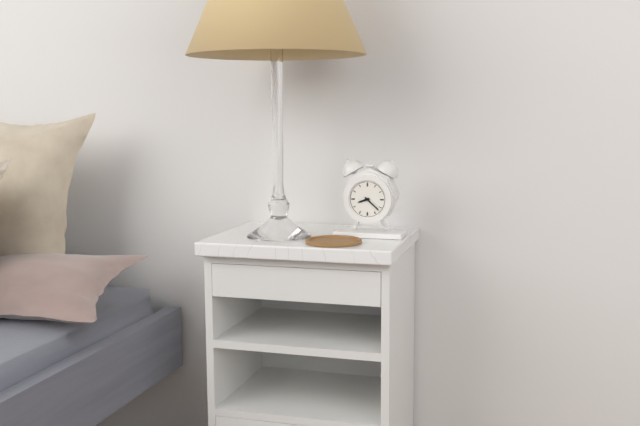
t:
**8:22**
